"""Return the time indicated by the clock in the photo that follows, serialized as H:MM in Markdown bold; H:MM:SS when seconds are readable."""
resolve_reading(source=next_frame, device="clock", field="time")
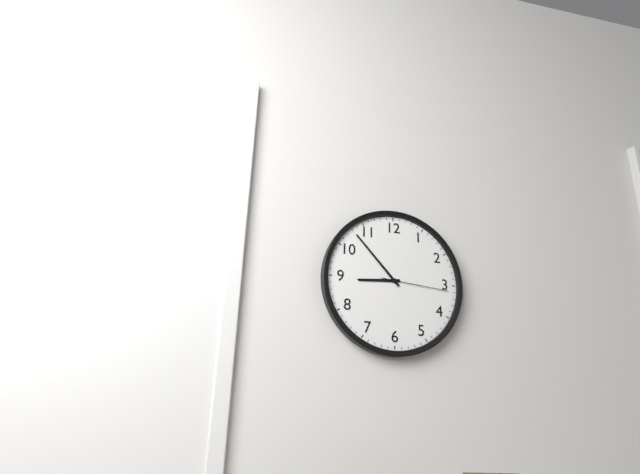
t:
**8:53:16**
